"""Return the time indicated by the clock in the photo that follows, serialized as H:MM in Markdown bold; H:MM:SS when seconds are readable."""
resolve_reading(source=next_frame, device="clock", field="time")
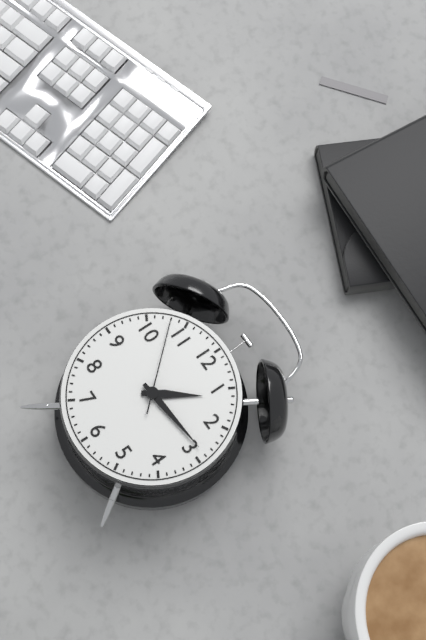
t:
**1:14:53**
